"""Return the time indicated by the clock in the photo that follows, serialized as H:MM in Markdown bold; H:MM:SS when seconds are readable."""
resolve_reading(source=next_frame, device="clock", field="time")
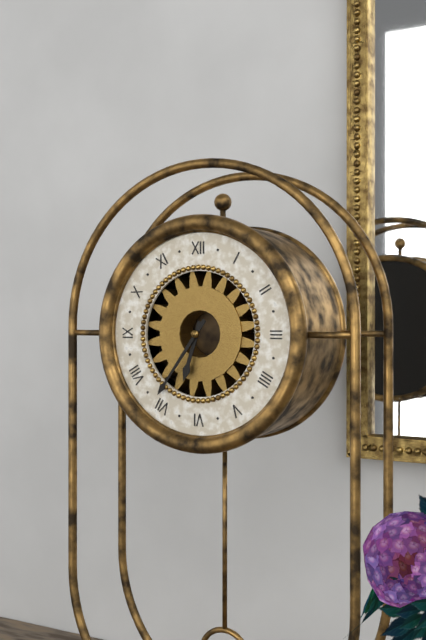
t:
**6:36**
